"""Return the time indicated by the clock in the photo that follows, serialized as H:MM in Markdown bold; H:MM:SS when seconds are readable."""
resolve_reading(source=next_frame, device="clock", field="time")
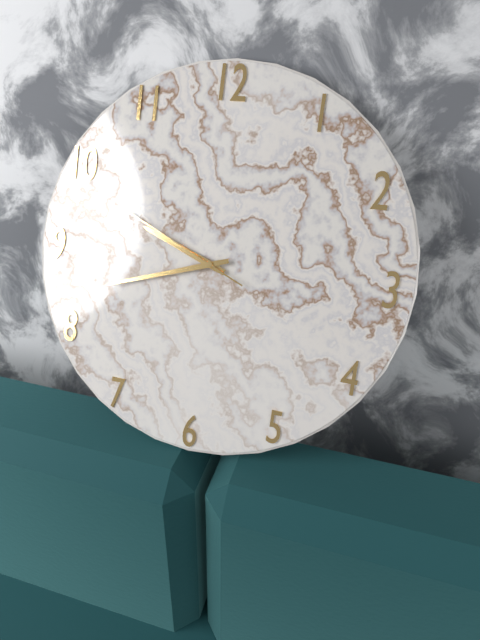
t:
**9:42:49**
